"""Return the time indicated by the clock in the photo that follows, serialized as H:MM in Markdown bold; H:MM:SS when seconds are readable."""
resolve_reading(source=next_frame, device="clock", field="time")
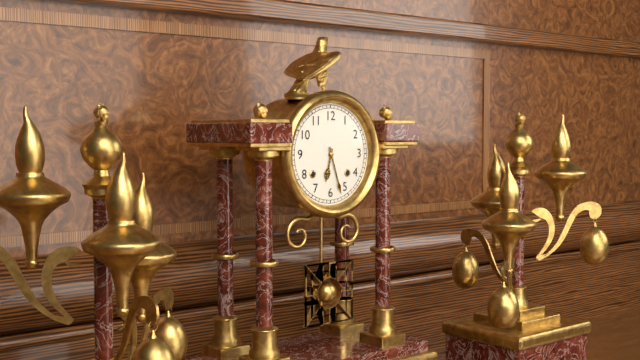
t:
**6:27**
